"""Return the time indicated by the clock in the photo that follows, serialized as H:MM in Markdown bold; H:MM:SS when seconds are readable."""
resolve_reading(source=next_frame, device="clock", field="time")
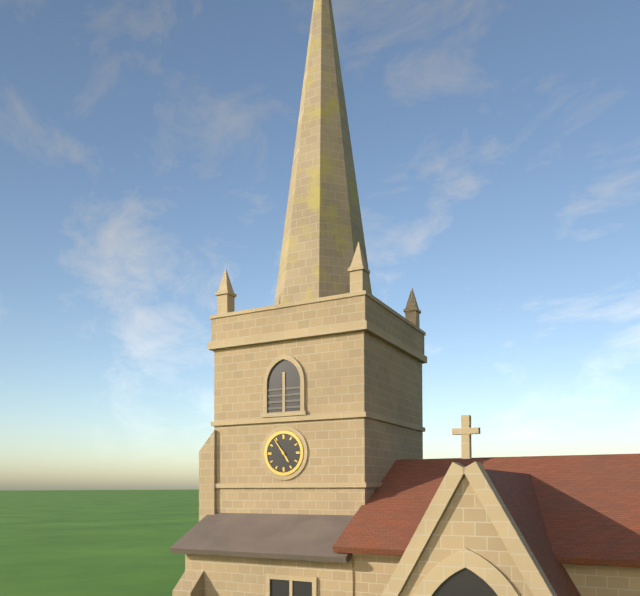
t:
**4:54**
